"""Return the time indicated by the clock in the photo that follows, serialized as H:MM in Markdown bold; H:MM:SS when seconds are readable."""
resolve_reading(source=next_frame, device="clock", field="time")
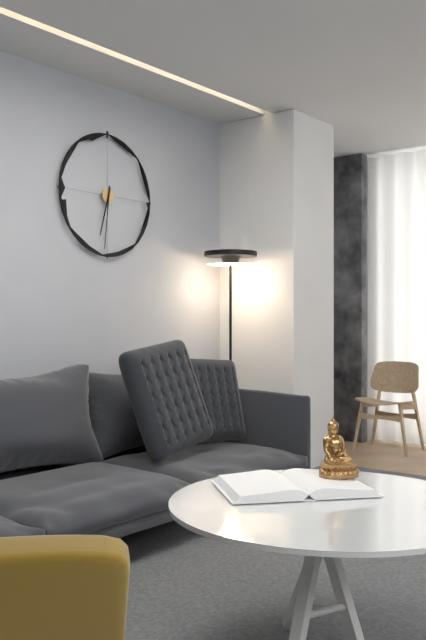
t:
**6:31**
